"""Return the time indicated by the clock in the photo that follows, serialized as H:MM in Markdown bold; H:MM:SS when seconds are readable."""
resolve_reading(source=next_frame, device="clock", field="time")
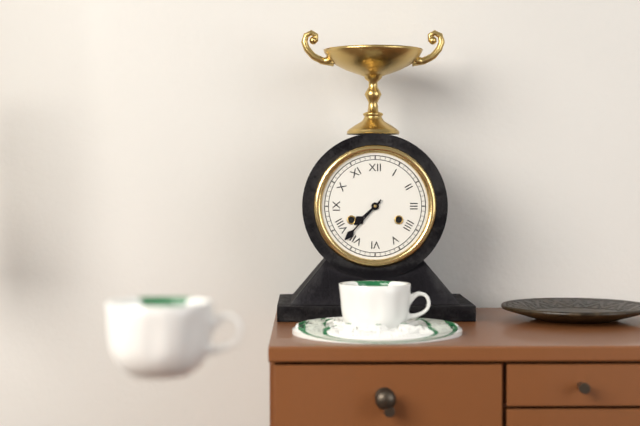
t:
**7:37**
